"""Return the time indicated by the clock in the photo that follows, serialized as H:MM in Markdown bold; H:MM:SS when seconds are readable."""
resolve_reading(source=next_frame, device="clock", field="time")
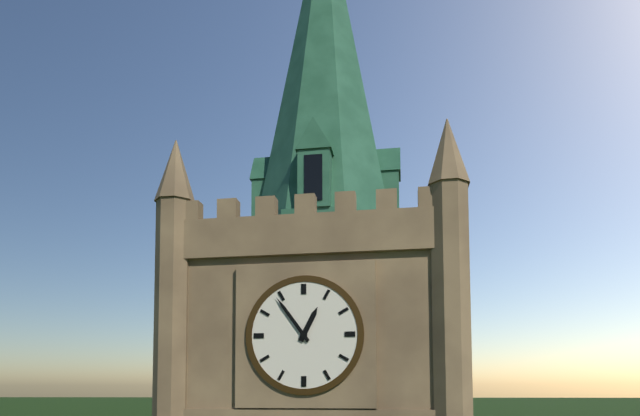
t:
**12:54**
